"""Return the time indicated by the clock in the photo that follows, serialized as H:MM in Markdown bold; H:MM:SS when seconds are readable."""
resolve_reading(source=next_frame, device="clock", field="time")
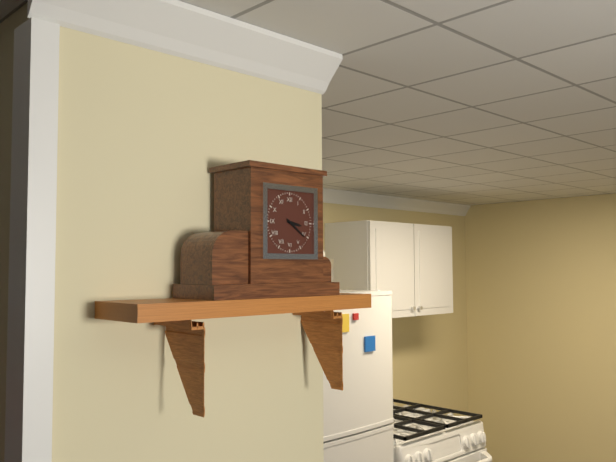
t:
**3:21**
